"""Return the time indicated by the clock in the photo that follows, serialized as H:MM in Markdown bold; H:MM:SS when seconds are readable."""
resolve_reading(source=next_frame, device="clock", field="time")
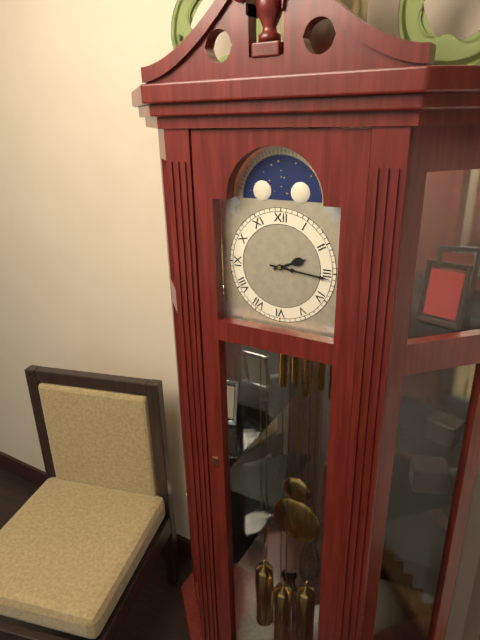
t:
**2:16**
